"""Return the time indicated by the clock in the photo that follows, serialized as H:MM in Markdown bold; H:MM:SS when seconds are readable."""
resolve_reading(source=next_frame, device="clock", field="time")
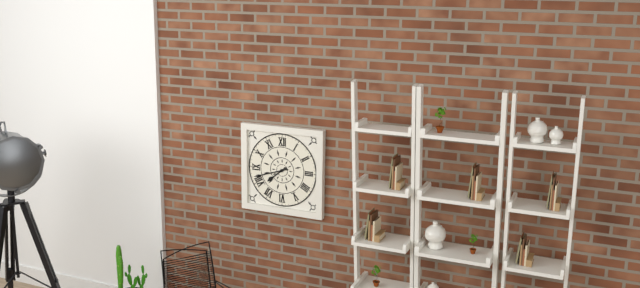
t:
**7:42**
